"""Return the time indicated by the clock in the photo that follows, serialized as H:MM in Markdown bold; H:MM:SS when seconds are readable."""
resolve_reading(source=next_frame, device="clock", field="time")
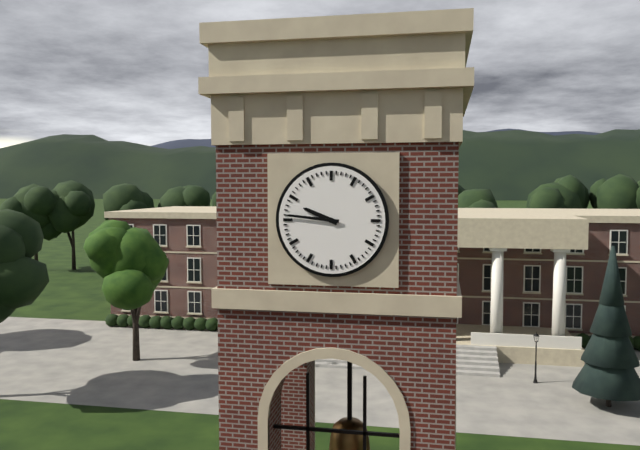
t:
**9:46**
